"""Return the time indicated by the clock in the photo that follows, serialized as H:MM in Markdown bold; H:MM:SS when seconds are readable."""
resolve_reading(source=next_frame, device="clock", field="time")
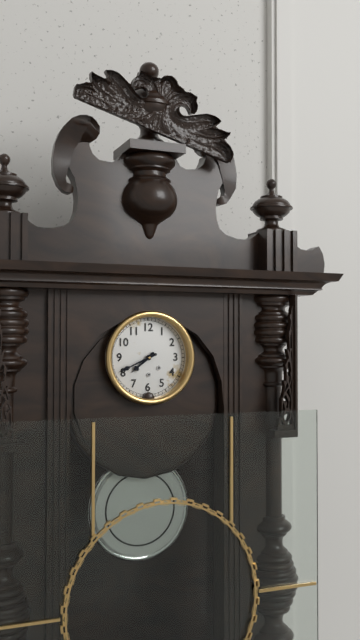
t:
**7:41**
